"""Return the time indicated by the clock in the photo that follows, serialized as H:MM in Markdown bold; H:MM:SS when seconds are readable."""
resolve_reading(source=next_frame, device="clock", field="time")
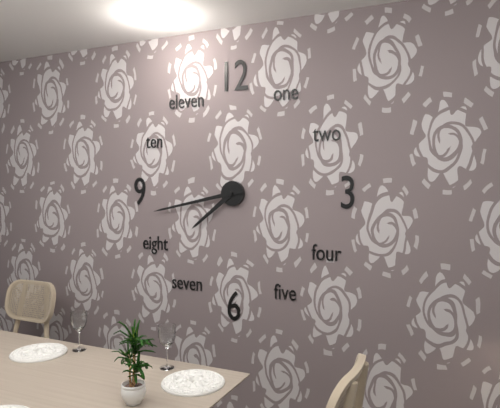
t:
**7:43**
